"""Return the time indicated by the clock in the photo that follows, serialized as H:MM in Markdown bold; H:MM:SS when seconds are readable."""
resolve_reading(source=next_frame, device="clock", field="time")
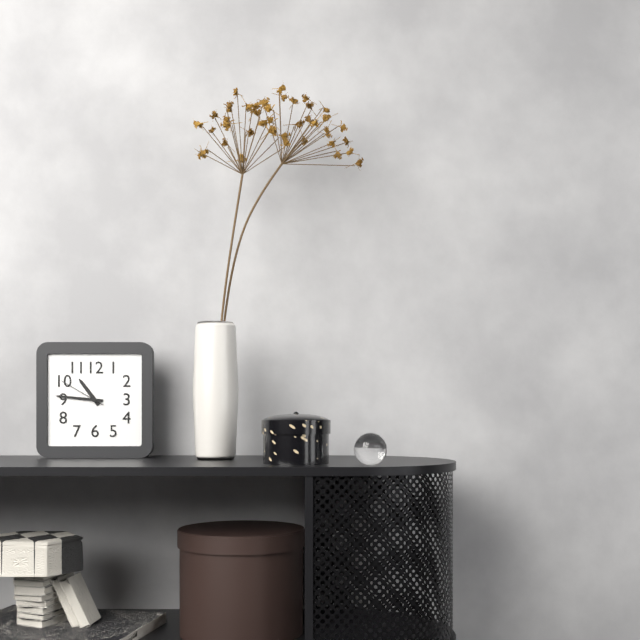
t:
**10:46**
